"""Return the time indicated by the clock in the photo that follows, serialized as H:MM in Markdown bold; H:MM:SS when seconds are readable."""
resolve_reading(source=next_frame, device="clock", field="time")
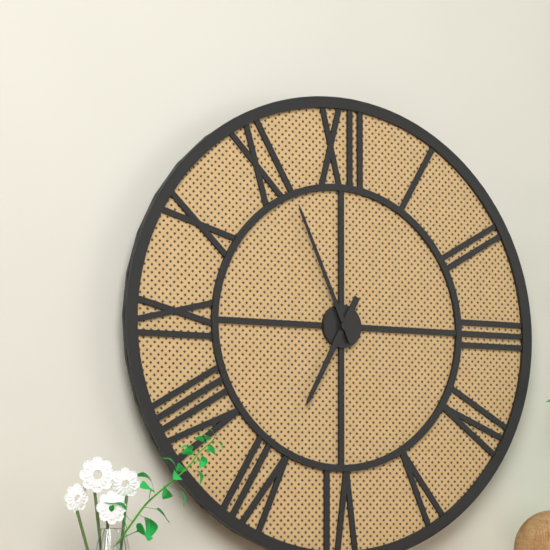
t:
**6:56**
